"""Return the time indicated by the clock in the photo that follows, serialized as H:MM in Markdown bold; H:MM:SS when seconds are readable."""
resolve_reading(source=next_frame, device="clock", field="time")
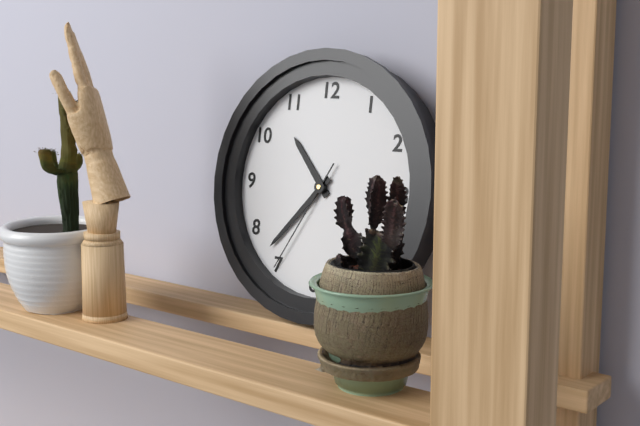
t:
**10:37:35**
